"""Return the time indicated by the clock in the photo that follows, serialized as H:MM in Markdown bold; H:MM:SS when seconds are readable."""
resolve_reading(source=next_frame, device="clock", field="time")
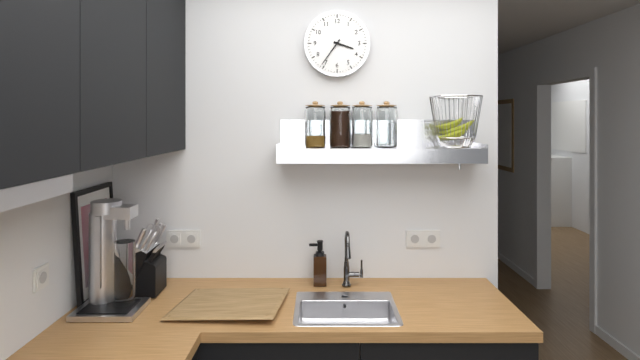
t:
**3:36**
